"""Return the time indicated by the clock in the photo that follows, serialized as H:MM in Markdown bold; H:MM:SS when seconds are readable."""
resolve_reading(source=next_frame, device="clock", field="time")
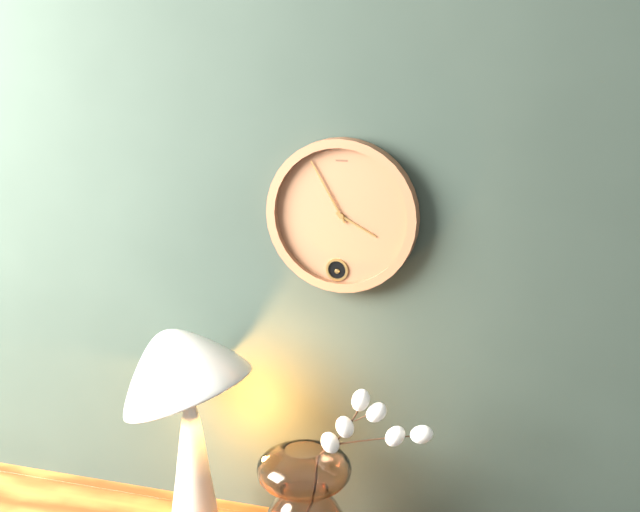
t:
**3:55**
